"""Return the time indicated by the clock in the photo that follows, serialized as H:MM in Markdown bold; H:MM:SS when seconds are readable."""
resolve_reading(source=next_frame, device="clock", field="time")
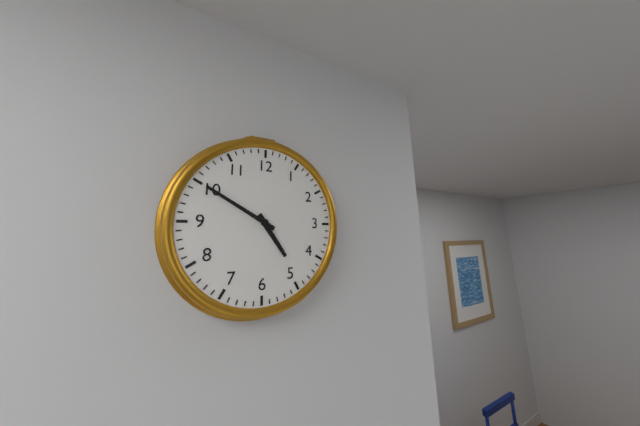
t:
**4:50**
